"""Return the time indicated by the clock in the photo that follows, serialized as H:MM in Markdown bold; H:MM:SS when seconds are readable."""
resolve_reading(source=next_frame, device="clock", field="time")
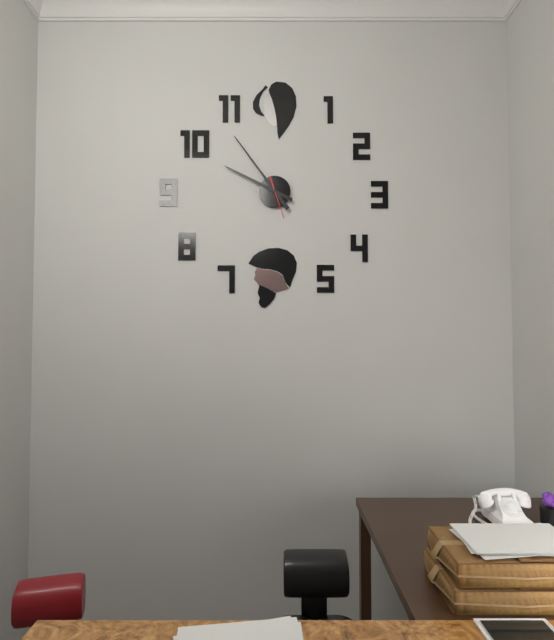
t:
**9:54**
